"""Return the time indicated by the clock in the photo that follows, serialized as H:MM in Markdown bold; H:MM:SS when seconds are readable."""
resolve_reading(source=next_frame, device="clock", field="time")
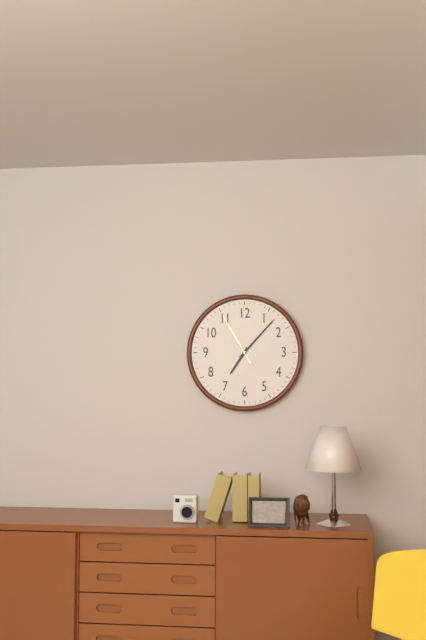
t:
**7:07:55**
